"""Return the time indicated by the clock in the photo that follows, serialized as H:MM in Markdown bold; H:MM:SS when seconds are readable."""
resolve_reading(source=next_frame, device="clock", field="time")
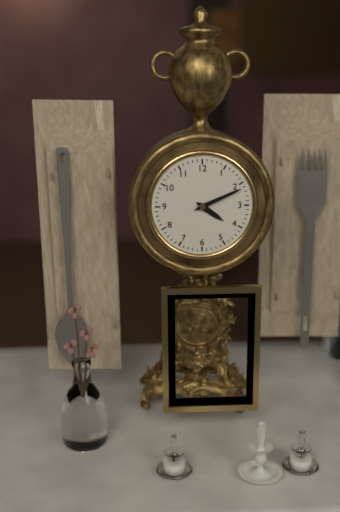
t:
**4:11**
